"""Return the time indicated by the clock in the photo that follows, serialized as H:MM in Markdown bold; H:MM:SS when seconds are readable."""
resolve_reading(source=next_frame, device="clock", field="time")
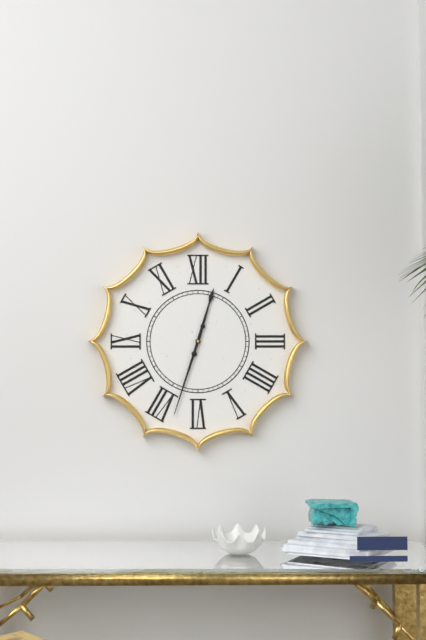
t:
**12:33**
